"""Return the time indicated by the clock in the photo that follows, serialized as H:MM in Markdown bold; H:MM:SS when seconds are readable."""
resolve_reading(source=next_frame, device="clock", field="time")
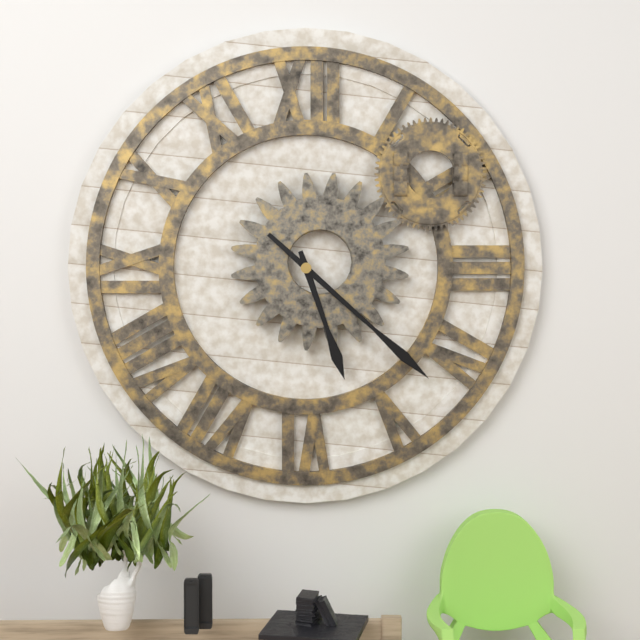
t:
**5:22**
